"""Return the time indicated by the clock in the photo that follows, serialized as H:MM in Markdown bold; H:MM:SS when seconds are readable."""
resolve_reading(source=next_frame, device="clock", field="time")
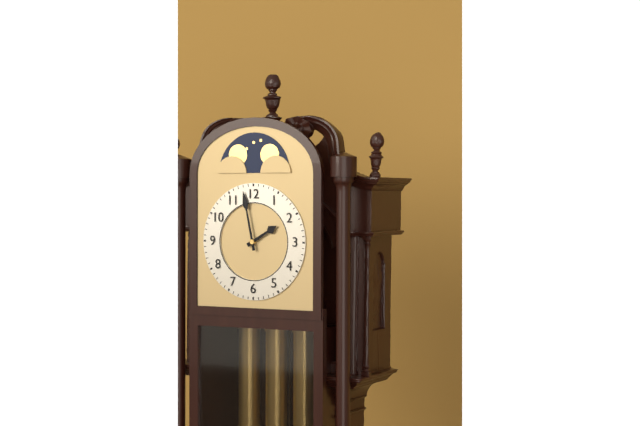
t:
**1:58**
